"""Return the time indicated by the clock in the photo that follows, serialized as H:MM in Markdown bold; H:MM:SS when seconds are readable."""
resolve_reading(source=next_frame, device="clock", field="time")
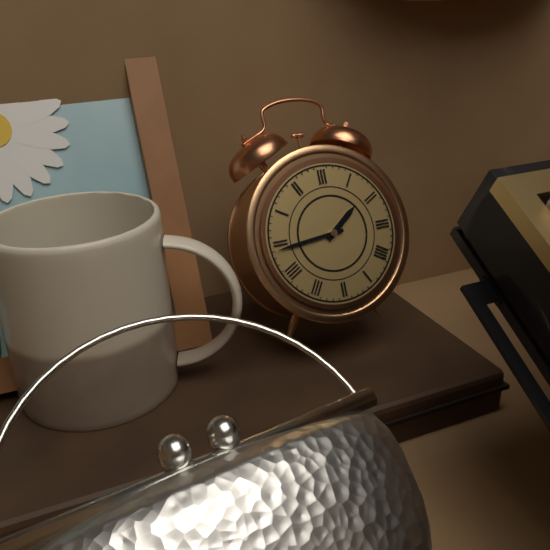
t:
**1:44**
